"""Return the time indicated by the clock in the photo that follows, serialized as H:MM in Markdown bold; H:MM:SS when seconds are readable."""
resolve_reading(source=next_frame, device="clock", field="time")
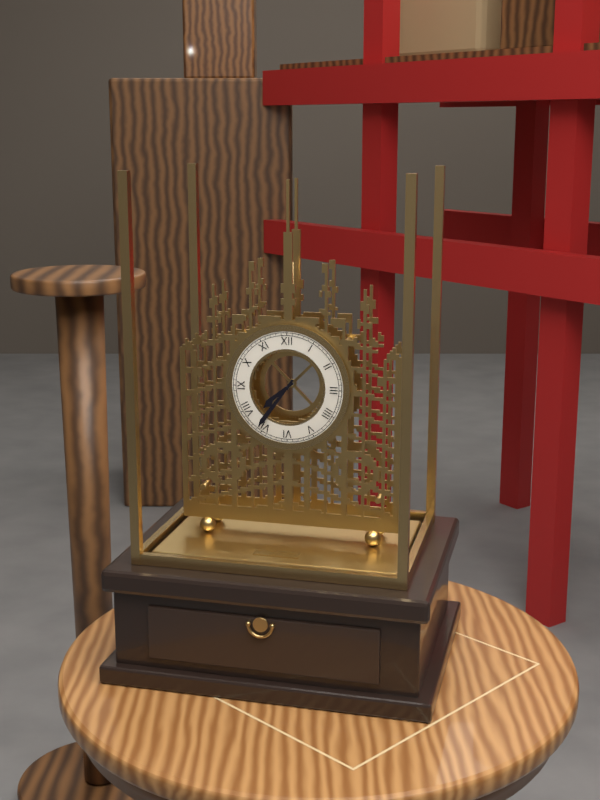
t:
**7:36**
